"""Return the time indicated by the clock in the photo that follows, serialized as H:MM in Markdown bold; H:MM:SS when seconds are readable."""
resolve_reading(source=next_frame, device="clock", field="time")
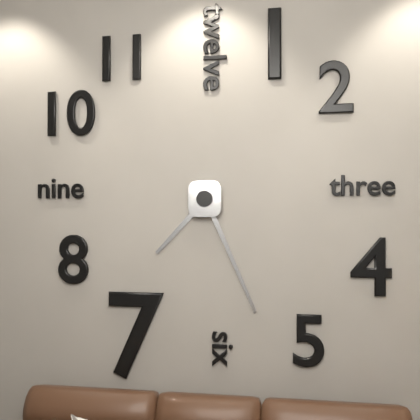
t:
**7:26**
